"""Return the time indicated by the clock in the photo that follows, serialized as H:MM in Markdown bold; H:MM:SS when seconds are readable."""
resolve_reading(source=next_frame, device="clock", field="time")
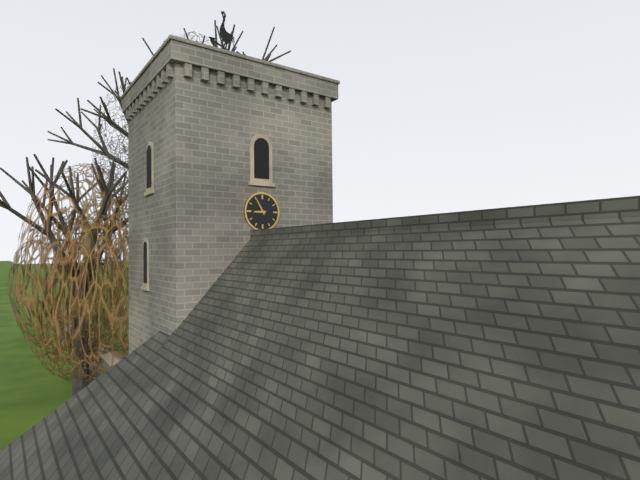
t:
**8:55**
